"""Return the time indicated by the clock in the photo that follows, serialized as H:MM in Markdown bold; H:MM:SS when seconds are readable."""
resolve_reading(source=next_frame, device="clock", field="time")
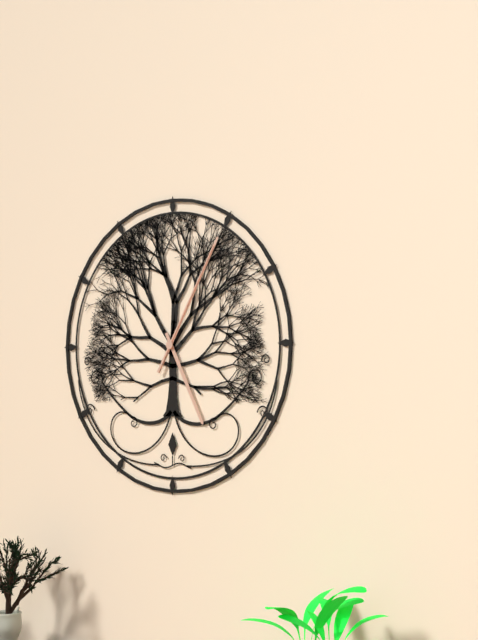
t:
**5:05:05**
